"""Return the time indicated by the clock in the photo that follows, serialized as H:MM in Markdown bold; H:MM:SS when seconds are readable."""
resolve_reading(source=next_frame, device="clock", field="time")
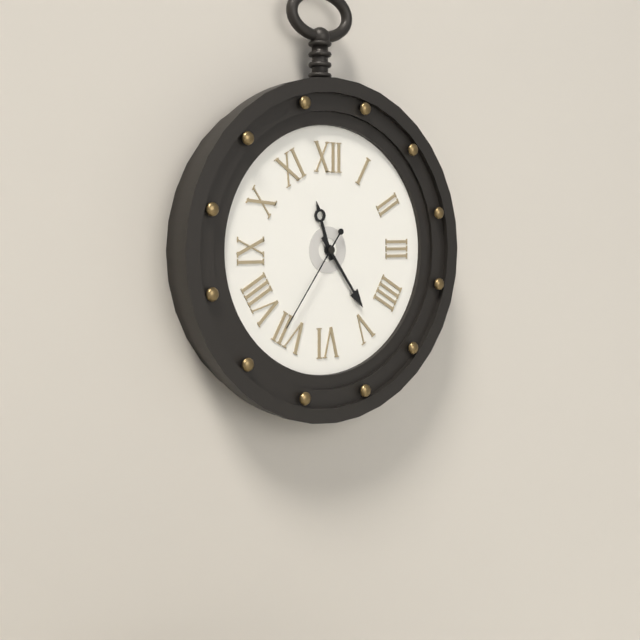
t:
**11:24:36**
